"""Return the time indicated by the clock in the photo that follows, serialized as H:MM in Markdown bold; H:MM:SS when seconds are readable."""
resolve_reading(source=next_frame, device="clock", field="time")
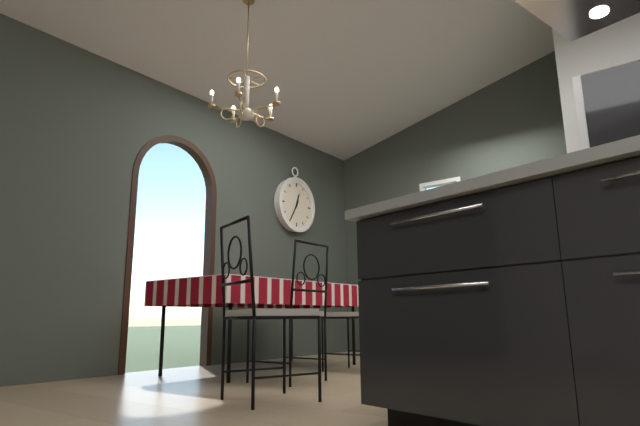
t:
**12:35**
